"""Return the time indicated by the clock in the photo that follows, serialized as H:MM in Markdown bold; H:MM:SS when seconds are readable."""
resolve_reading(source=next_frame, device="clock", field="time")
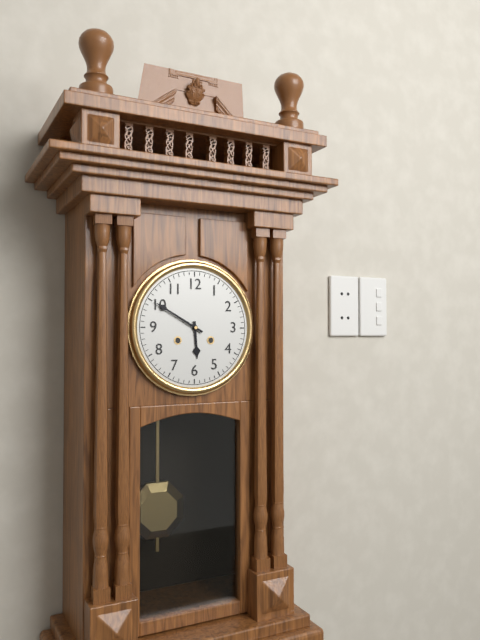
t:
**5:50**
